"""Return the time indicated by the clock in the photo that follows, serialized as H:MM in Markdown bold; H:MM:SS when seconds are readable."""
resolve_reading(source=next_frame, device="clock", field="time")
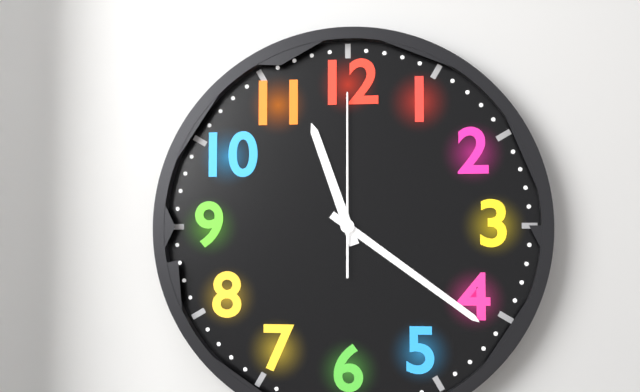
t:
**11:21:00**
